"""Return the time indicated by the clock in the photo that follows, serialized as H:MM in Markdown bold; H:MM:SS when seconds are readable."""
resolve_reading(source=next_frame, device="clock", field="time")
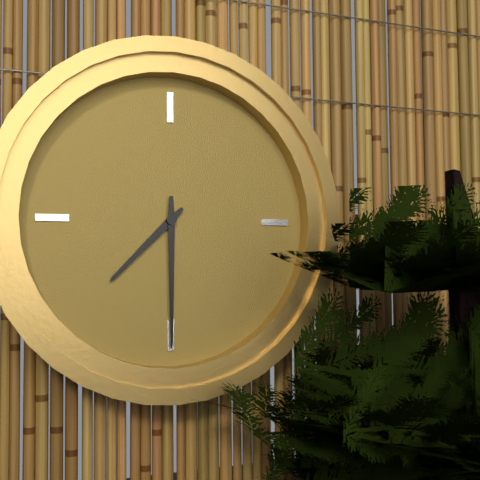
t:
**7:30**
